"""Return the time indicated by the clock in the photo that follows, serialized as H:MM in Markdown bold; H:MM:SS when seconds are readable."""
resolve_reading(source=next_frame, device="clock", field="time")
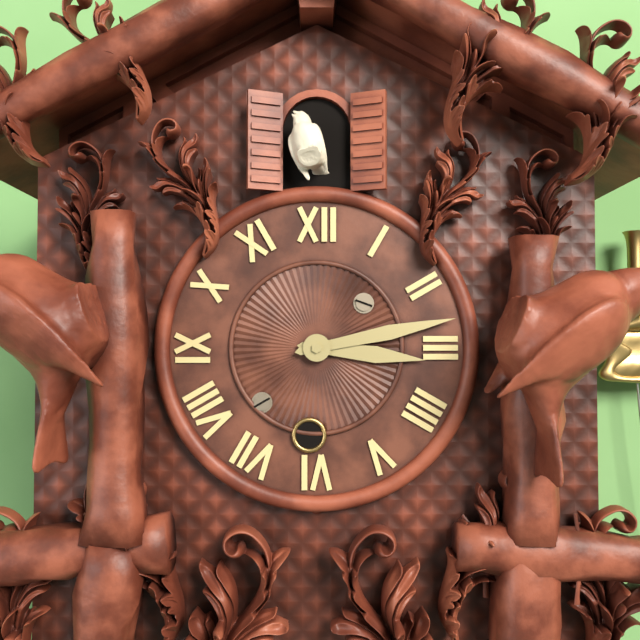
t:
**3:13**
